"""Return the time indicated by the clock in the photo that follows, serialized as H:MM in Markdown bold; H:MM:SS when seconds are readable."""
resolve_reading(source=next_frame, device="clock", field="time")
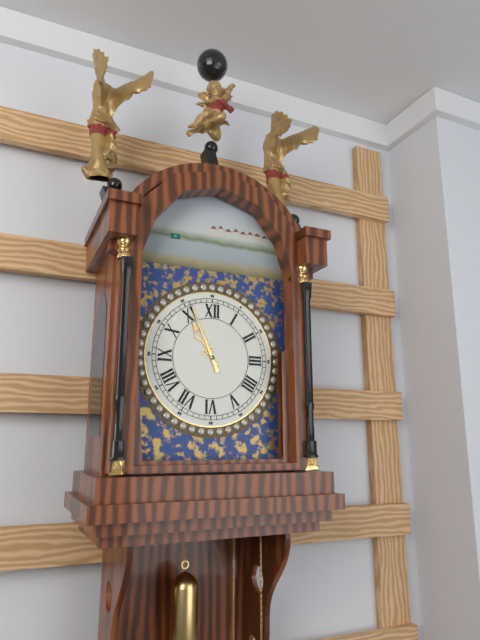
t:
**10:56**
